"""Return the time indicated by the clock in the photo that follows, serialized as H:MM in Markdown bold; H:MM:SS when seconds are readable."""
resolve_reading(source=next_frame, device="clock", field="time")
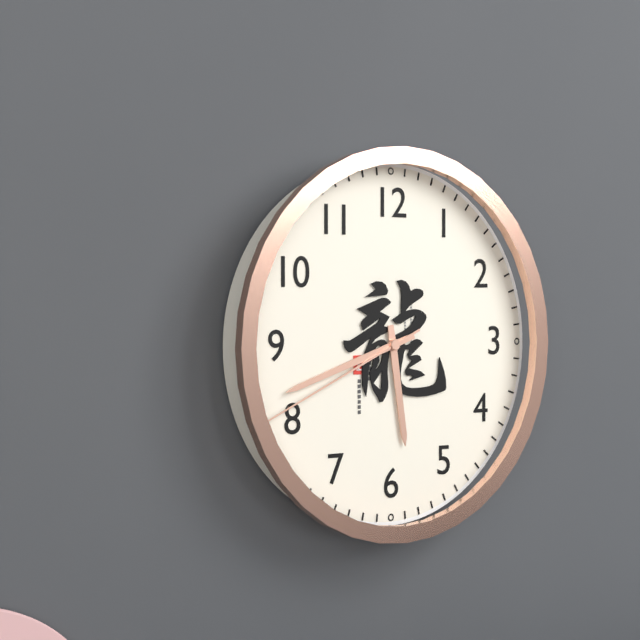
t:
**5:42:41**
